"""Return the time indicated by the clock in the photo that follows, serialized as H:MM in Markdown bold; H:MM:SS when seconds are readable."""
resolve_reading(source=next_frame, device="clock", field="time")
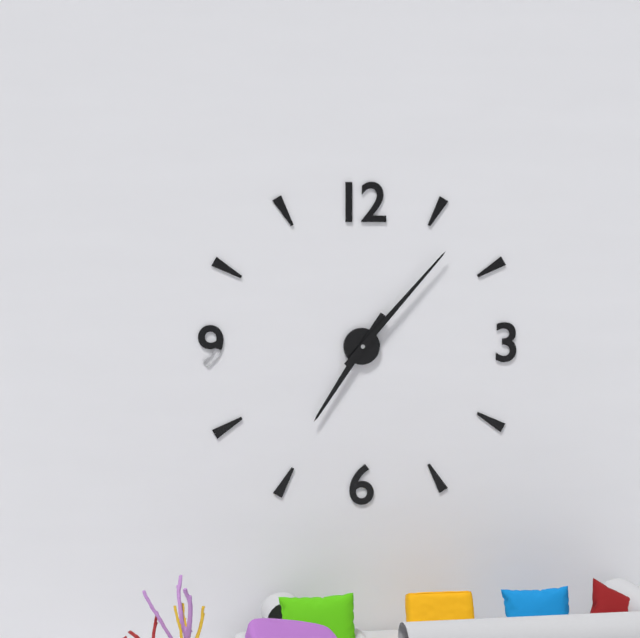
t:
**7:07**
